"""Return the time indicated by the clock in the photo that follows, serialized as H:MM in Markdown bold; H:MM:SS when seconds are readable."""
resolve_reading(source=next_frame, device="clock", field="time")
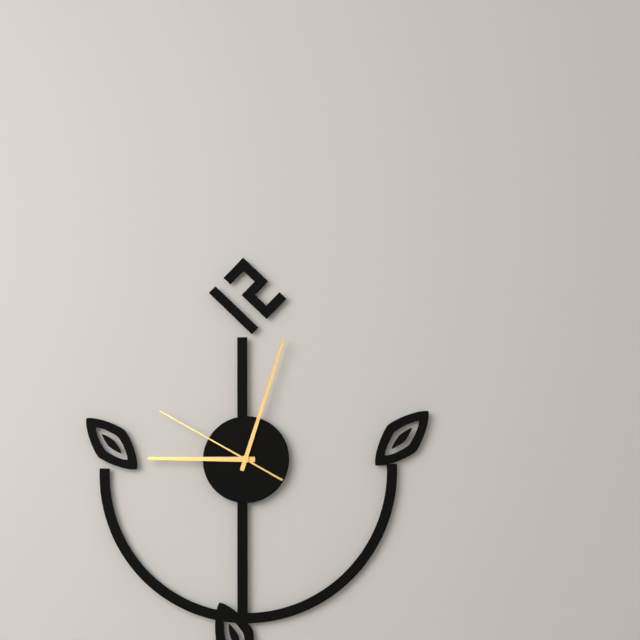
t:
**9:03:50**
